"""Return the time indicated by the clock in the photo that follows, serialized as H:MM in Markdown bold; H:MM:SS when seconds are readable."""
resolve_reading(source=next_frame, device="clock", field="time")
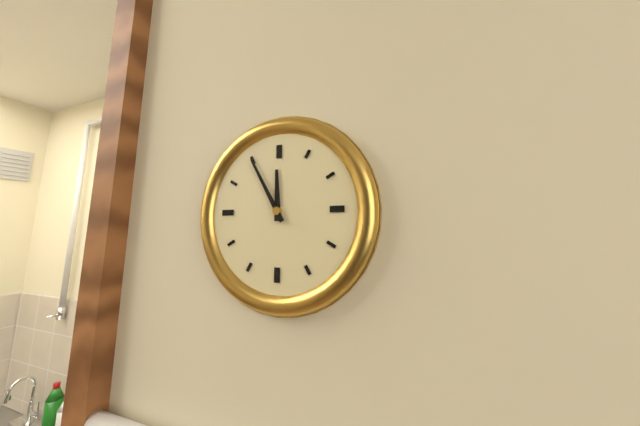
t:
**11:55**
